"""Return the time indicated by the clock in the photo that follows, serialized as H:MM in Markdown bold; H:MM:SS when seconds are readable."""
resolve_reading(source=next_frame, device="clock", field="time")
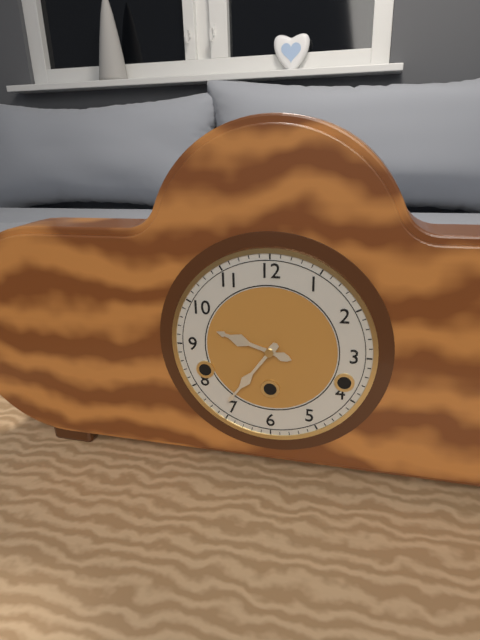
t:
**9:36**
